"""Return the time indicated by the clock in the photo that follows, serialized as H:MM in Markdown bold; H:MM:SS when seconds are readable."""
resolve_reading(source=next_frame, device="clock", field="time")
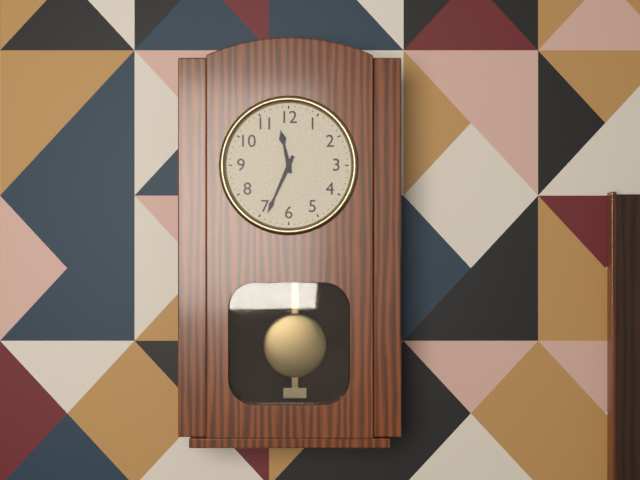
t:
**11:34**
